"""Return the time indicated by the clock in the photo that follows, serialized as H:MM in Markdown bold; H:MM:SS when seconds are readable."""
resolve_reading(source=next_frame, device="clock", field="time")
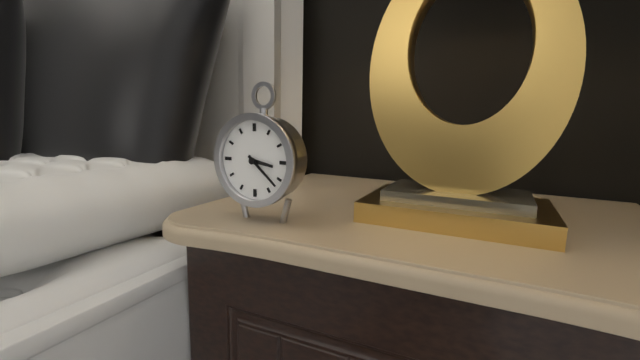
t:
**3:22**
